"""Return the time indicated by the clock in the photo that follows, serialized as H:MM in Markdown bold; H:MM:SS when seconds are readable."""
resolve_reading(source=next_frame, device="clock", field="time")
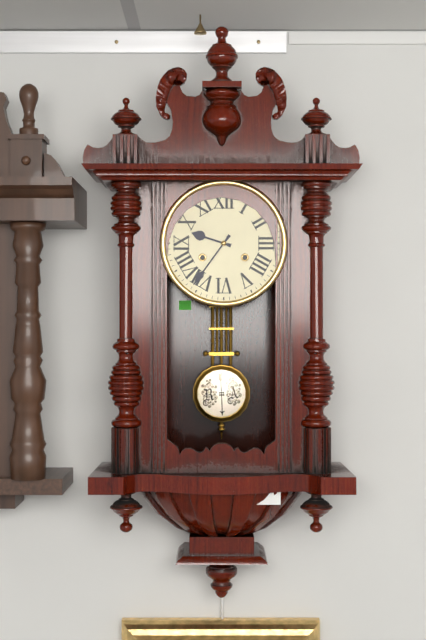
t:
**9:36**
